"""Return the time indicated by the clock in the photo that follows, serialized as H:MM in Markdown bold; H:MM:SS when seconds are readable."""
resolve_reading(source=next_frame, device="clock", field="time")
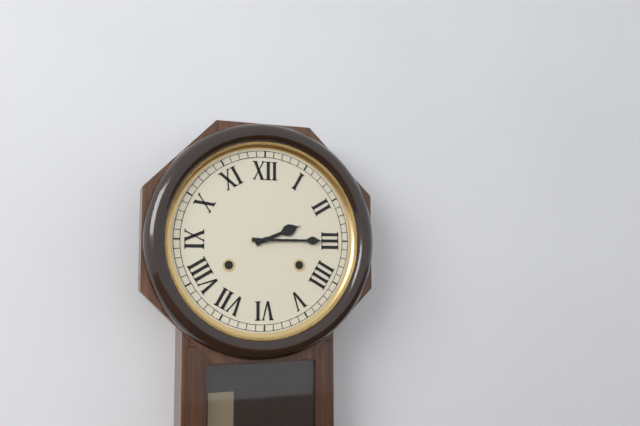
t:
**2:15**
